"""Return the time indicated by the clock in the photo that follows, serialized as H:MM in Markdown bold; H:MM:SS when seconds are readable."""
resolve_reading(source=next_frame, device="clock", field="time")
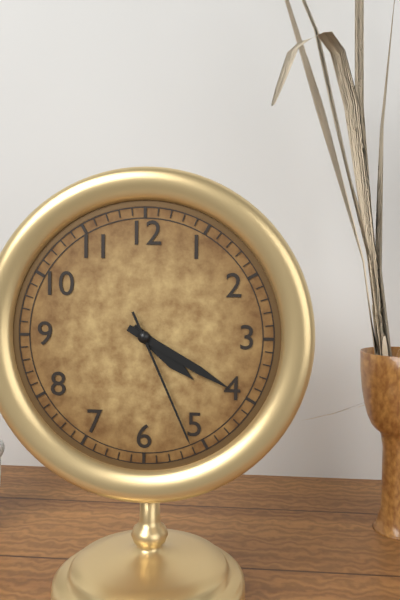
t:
**4:20:26**
